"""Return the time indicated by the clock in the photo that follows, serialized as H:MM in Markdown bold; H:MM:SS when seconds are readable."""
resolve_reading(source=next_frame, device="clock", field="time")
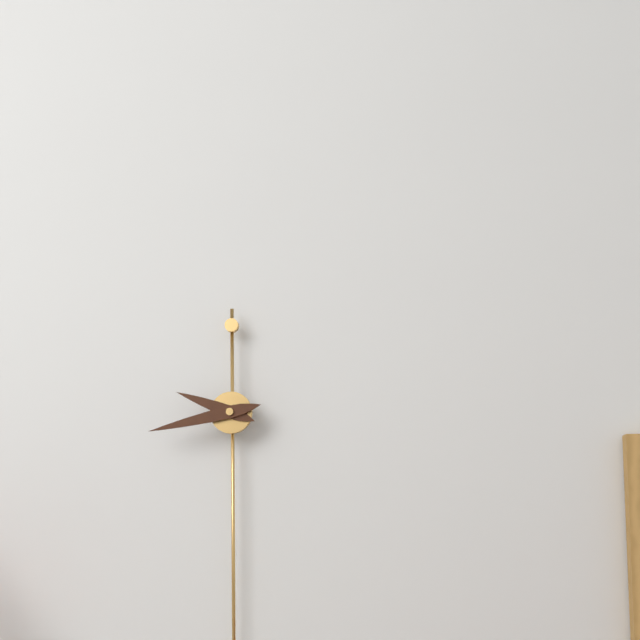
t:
**9:43**
